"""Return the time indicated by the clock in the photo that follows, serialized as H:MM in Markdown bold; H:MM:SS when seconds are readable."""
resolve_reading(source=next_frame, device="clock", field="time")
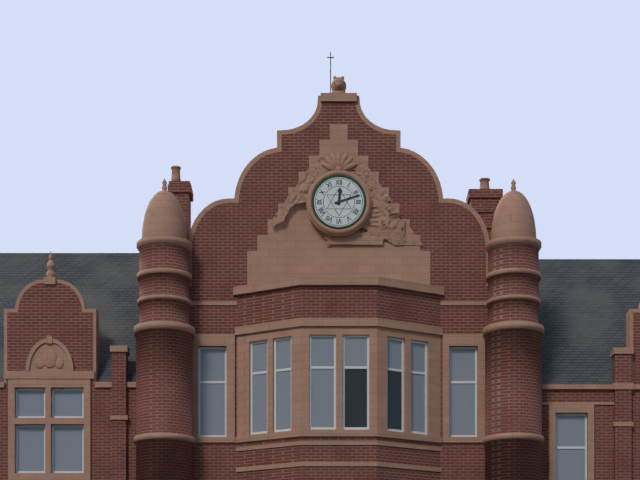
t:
**12:12**
